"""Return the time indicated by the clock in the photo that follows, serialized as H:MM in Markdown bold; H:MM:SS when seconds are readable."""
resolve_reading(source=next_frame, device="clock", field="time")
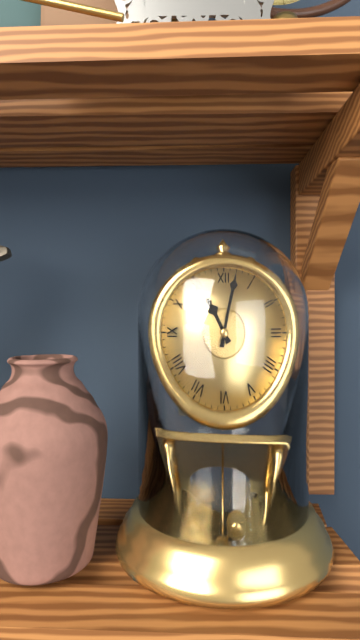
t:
**11:02**
